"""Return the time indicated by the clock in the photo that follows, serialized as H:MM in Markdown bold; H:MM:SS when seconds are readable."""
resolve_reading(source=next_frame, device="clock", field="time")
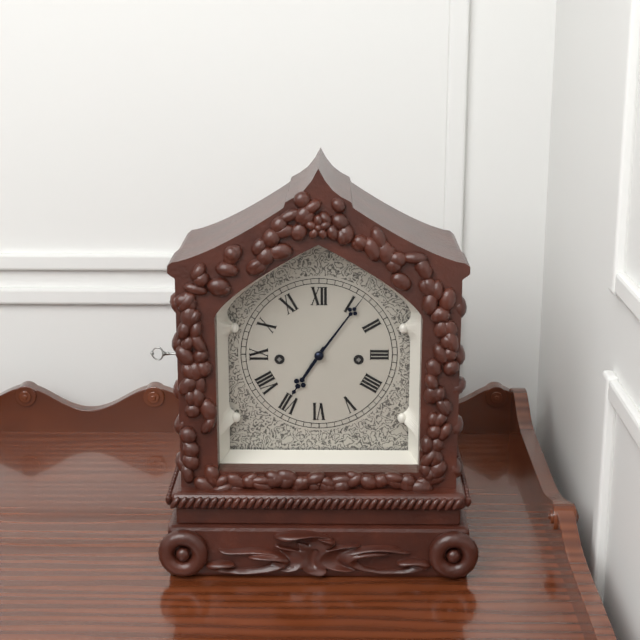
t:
**7:06**
